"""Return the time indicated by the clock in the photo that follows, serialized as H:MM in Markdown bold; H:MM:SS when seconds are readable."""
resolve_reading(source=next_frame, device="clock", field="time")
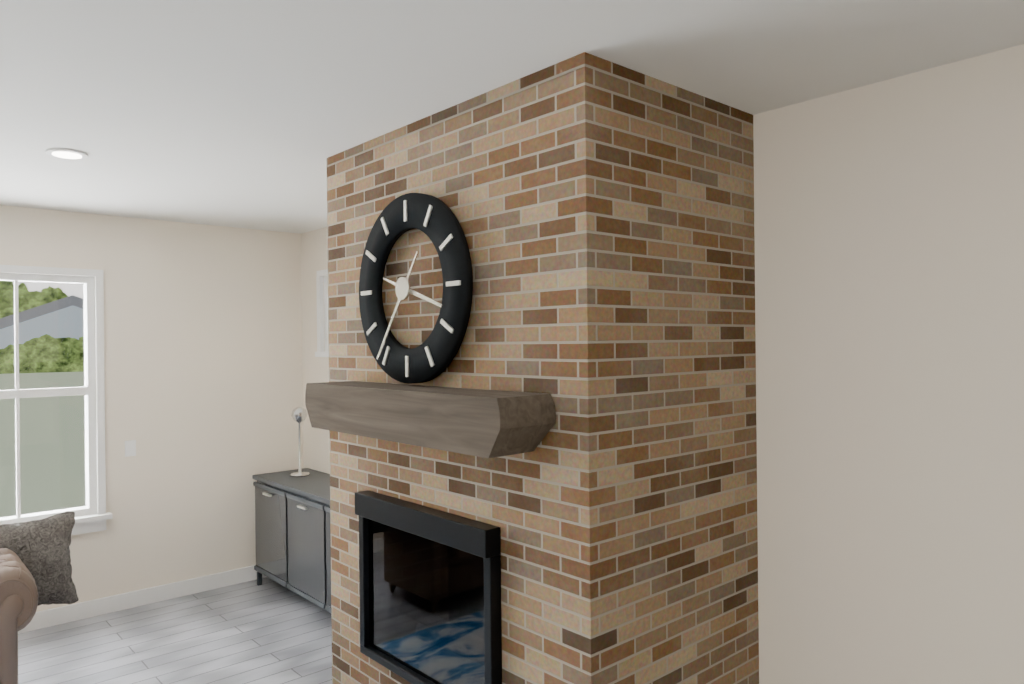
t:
**3:36**
